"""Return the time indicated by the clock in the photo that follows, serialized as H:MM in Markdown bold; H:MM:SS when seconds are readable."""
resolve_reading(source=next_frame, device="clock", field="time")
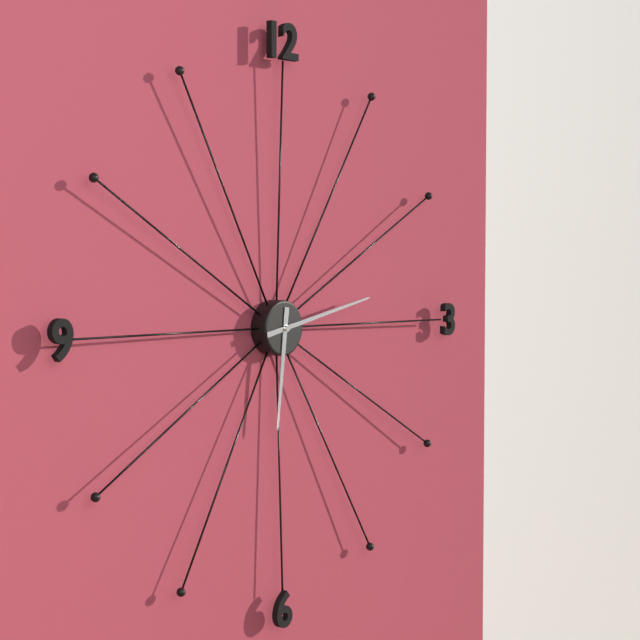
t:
**6:13**
